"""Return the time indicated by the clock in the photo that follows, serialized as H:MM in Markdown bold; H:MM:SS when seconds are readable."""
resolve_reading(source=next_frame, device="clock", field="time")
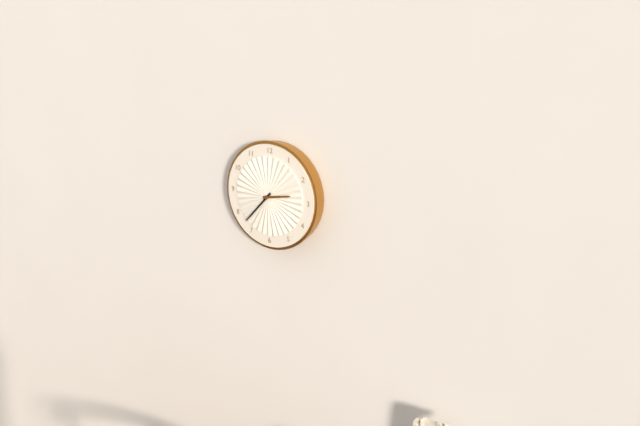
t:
**2:37**
